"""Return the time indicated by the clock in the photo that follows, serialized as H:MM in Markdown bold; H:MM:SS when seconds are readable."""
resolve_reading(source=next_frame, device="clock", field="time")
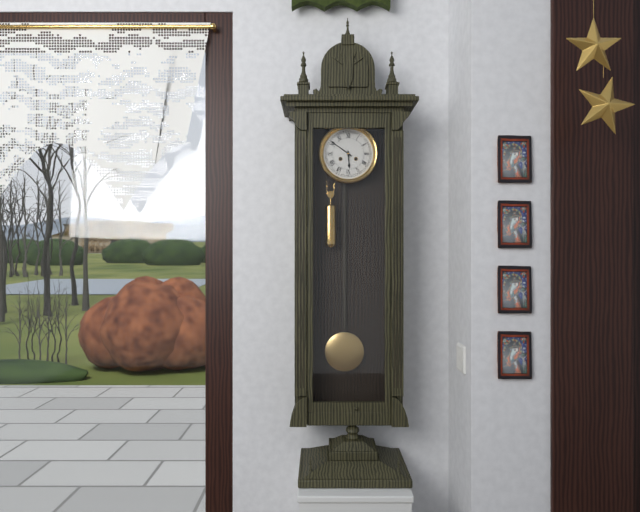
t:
**5:51**
